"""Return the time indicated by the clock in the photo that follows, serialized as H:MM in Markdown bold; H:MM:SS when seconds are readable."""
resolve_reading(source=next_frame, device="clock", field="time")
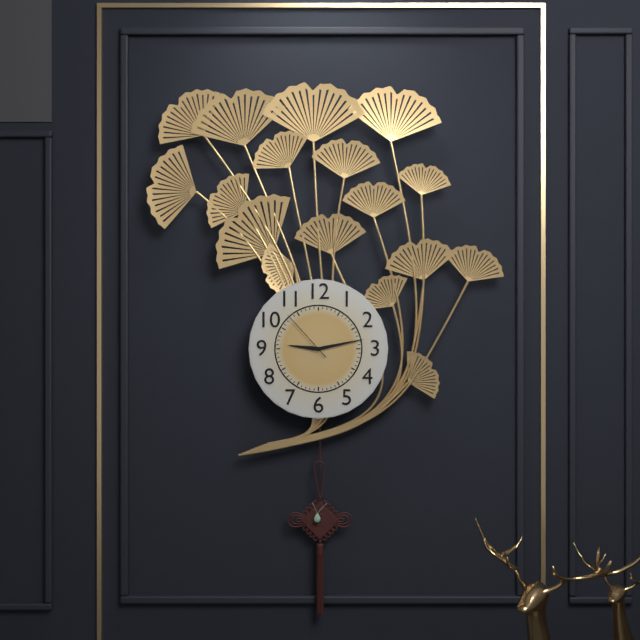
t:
**9:13:53**
